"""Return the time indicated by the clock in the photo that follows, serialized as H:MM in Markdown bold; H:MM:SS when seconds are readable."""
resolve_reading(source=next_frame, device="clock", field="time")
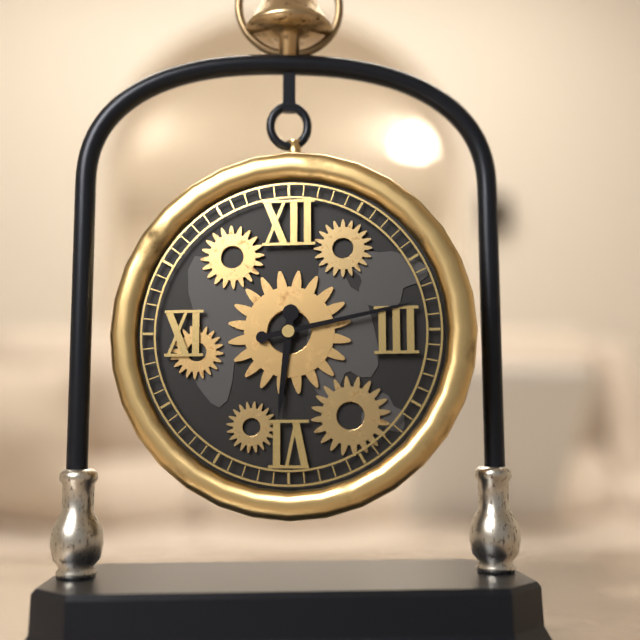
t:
**6:13**
